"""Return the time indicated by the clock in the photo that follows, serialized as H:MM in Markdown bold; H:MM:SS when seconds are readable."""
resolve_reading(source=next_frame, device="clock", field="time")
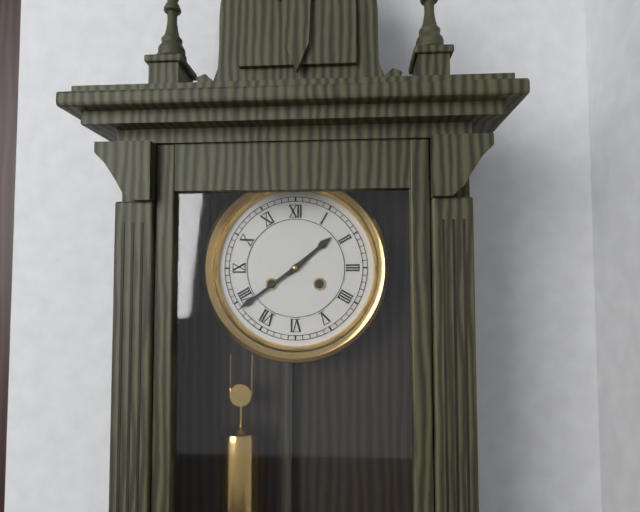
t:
**1:39**
